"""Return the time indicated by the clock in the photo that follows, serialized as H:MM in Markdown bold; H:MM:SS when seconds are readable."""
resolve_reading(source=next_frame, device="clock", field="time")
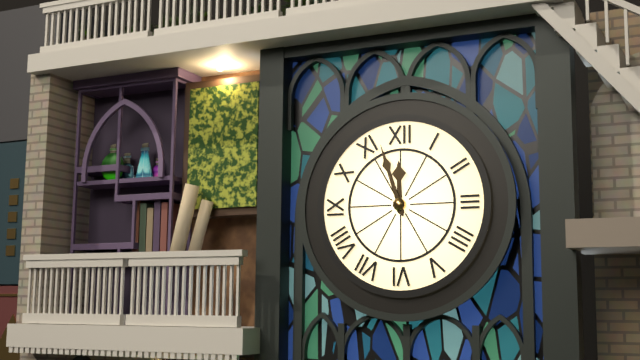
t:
**11:57**
